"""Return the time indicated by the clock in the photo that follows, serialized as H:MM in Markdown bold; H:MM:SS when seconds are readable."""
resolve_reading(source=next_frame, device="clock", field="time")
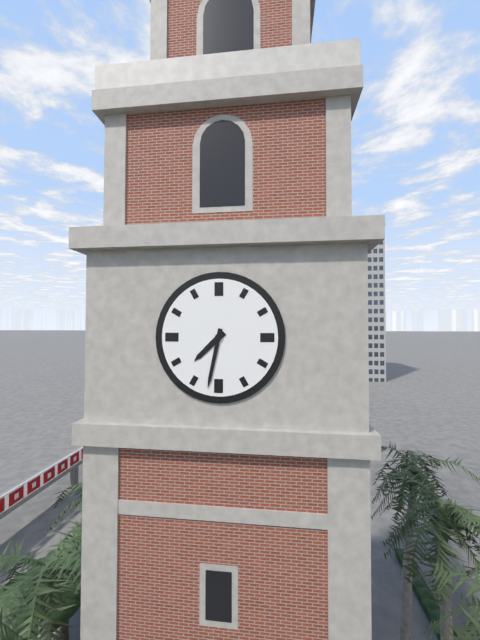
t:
**7:32**
